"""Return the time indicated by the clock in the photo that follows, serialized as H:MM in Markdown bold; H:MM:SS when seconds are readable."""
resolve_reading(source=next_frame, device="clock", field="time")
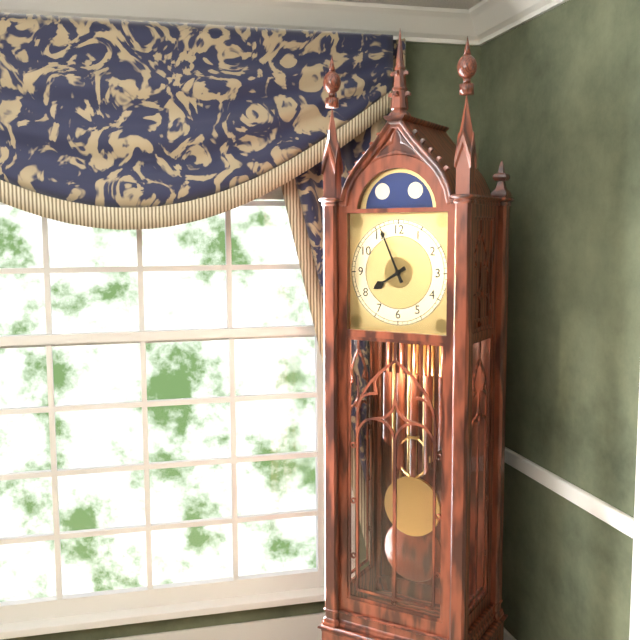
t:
**7:56**
